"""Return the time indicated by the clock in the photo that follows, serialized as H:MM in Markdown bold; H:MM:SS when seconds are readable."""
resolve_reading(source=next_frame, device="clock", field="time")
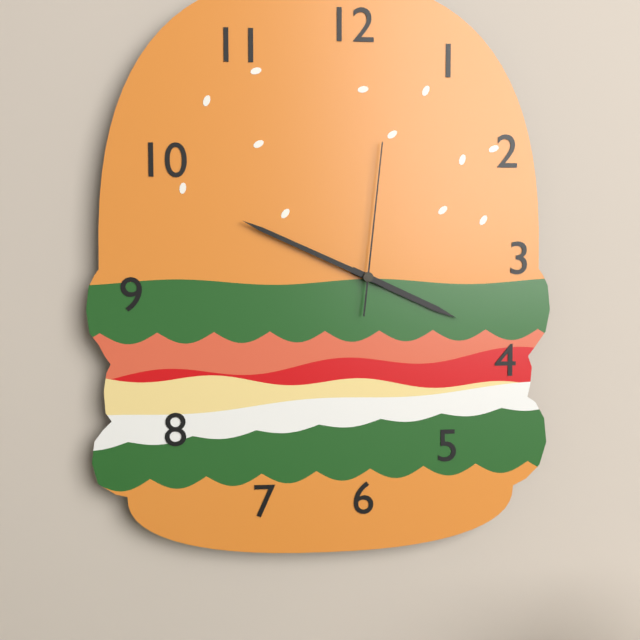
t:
**3:49:01**
